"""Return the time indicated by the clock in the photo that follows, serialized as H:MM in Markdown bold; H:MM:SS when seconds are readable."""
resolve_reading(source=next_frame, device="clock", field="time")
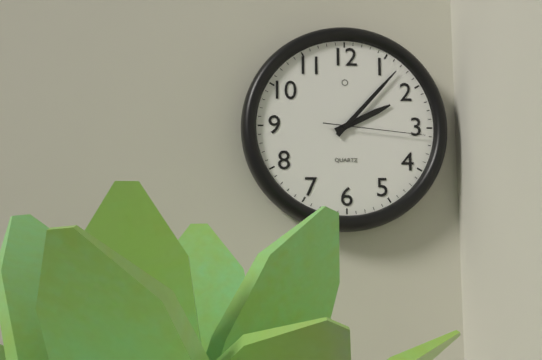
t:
**2:07:16**
